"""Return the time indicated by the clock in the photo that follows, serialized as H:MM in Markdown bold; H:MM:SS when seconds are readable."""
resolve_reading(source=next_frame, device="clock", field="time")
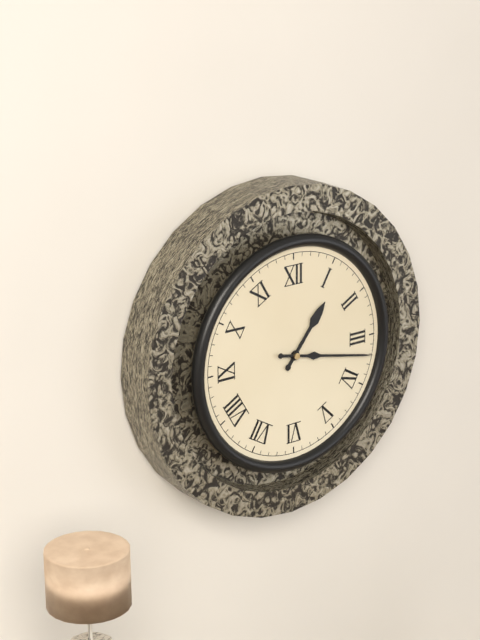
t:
**1:17**
